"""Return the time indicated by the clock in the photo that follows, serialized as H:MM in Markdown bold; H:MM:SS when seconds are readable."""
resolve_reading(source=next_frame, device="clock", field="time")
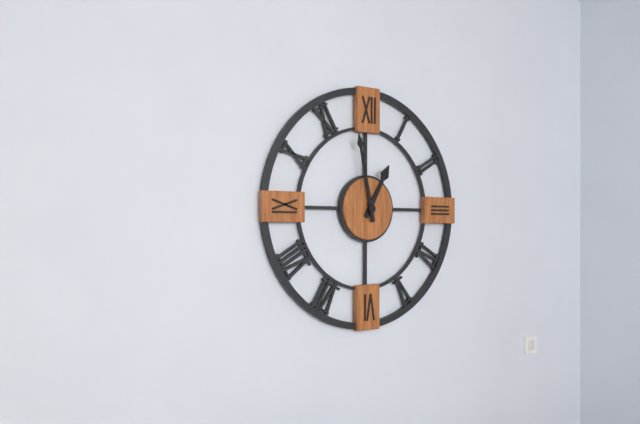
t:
**12:58**
